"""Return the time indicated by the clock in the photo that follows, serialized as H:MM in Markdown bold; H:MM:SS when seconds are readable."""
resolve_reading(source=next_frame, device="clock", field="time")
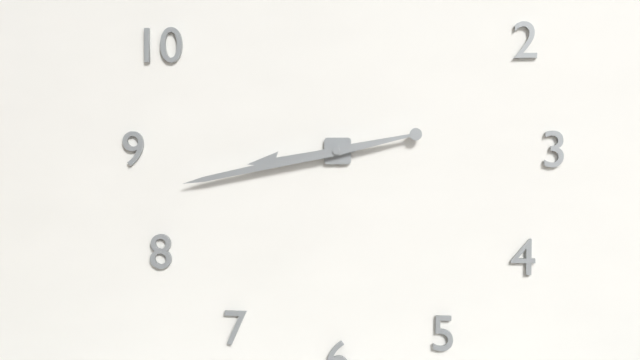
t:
**8:43**
